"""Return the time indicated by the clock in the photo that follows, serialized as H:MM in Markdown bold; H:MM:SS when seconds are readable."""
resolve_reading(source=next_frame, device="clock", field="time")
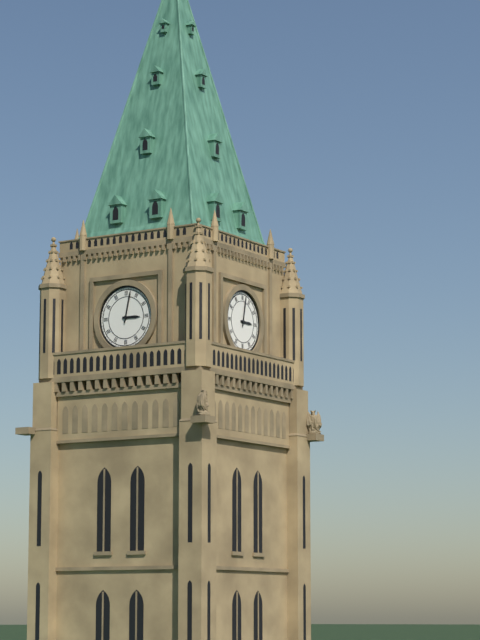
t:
**3:02**
